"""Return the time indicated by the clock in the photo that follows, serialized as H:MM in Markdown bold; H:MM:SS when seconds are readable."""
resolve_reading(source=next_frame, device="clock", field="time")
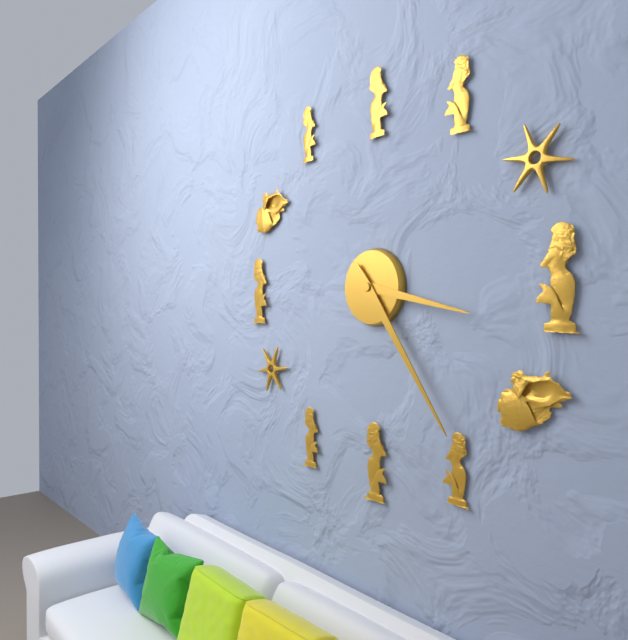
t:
**3:24**
